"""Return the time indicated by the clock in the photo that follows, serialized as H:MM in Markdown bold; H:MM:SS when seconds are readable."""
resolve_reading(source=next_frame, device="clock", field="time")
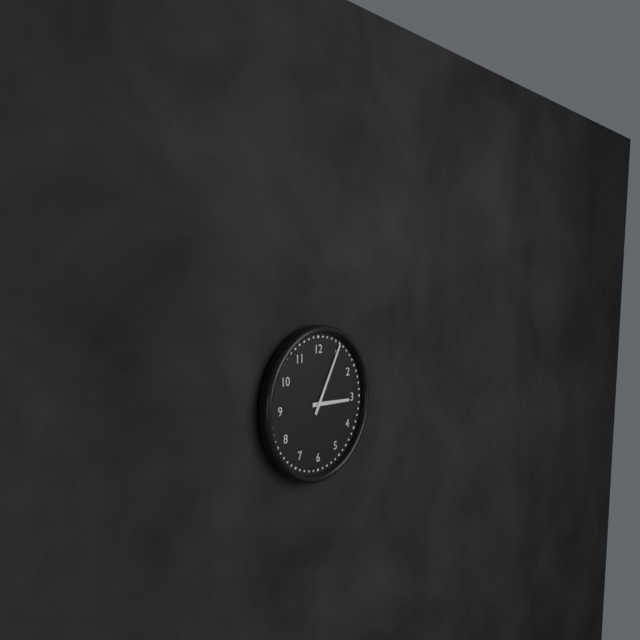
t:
**3:05**
